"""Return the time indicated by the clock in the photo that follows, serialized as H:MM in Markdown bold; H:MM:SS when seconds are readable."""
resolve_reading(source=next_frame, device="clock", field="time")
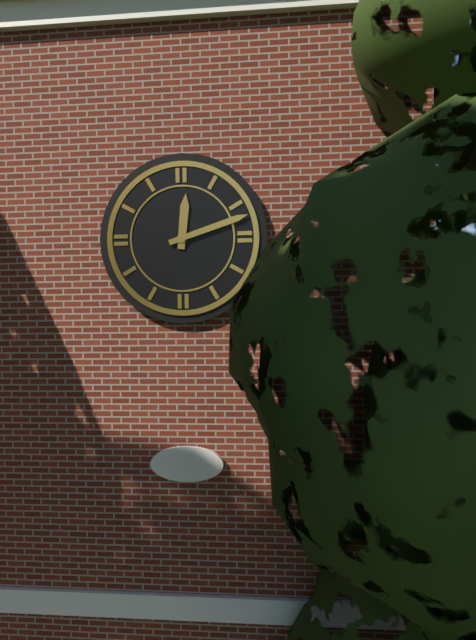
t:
**12:12**
